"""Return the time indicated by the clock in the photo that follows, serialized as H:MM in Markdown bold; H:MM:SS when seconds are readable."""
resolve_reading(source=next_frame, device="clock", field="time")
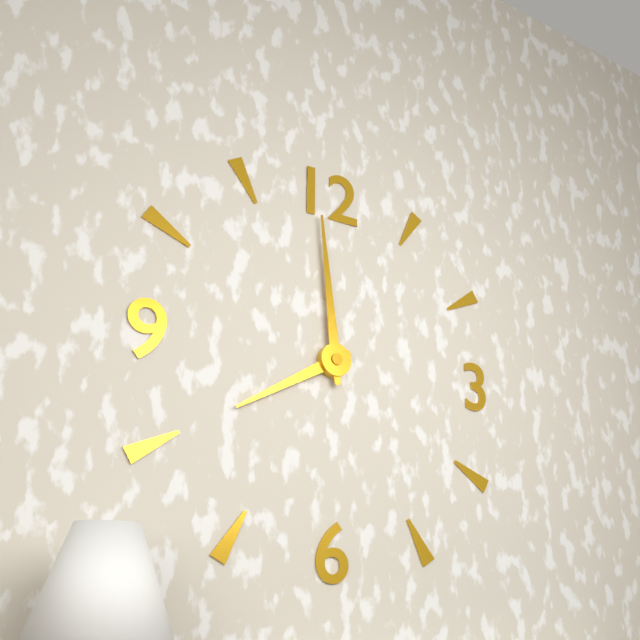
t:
**7:59**
